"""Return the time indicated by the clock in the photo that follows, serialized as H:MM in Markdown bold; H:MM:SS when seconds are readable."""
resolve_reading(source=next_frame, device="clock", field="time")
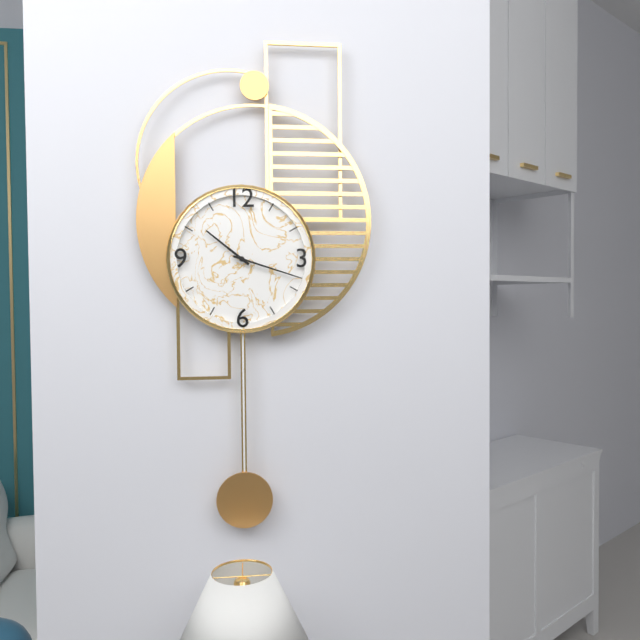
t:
**10:18**
